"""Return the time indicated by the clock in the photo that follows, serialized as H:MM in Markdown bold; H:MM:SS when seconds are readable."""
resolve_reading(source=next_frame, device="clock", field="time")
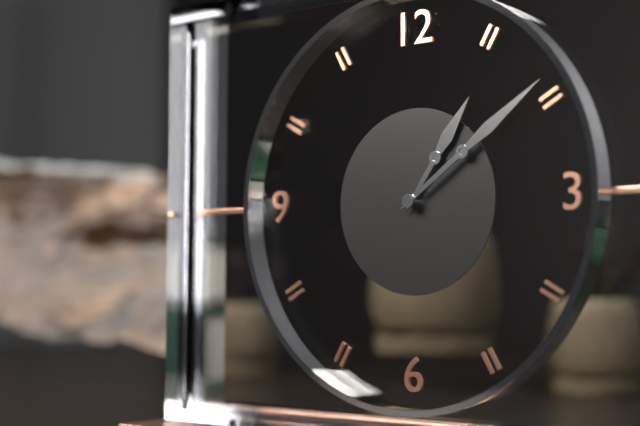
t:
**1:09**
